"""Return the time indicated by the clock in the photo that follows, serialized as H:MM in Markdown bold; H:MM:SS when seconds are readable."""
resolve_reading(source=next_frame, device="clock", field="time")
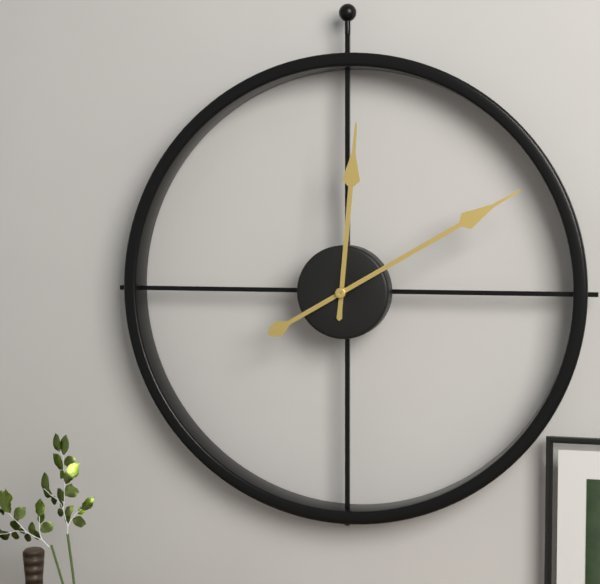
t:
**12:10**
